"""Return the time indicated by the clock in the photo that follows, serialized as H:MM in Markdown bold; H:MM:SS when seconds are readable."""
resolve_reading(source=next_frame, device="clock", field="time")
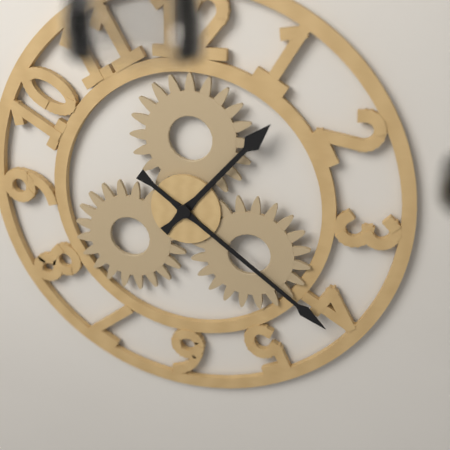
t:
**1:21**
